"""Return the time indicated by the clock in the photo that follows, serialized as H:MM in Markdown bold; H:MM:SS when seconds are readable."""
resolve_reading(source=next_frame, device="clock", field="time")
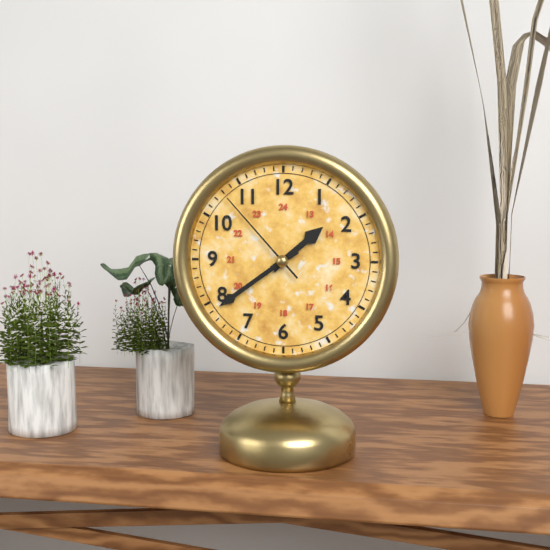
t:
**1:39:53**
